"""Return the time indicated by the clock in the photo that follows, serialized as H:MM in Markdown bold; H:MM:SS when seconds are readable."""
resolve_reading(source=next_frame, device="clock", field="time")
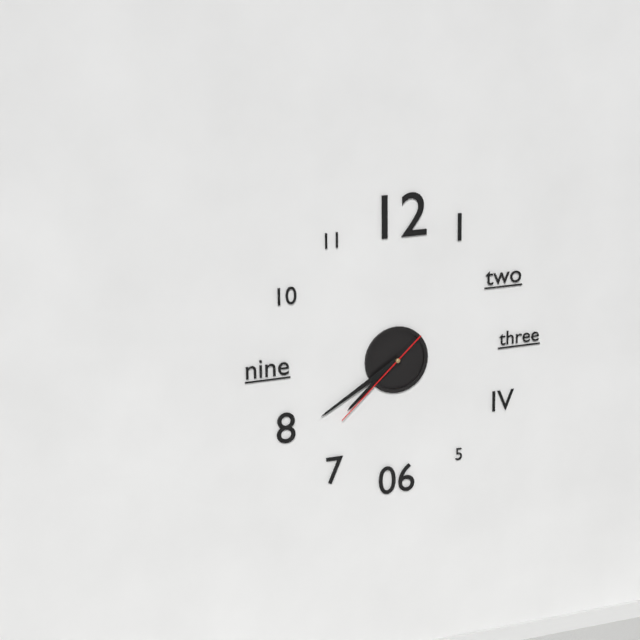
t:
**7:40:38**
